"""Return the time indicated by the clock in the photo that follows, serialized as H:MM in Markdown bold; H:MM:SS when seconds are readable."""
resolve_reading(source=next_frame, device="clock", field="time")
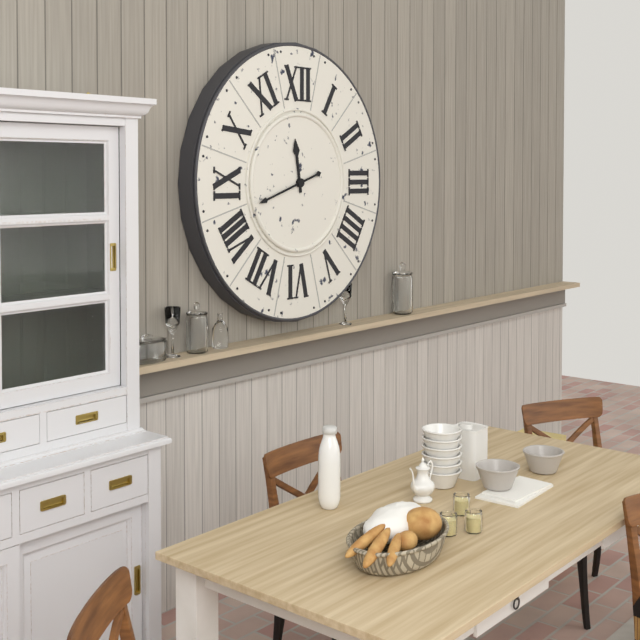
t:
**11:42**
